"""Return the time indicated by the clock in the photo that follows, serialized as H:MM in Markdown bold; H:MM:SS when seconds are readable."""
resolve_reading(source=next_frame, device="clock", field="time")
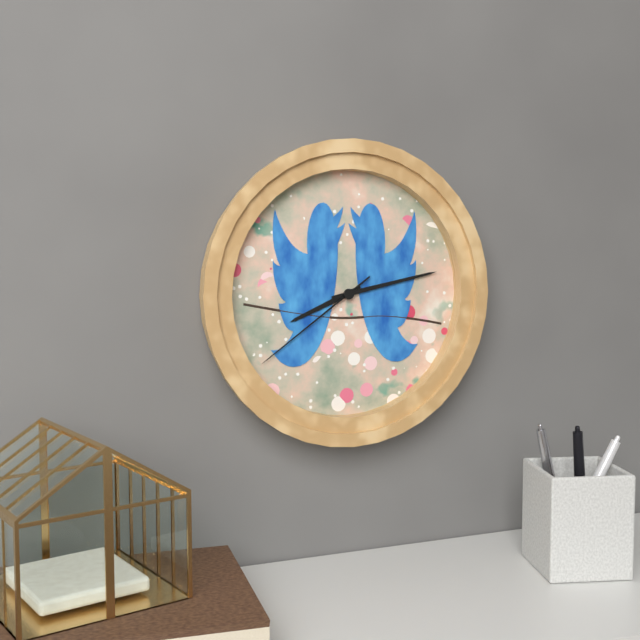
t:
**8:13:39**
